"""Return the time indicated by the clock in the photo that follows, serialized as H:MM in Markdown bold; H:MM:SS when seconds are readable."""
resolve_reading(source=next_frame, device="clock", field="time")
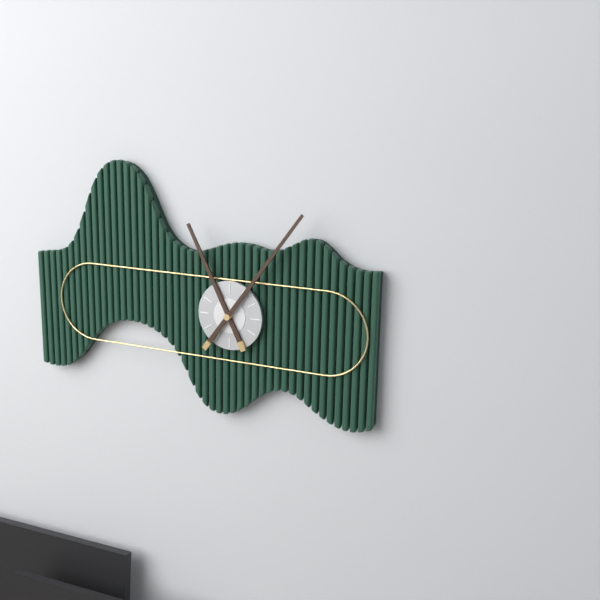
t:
**11:06**
